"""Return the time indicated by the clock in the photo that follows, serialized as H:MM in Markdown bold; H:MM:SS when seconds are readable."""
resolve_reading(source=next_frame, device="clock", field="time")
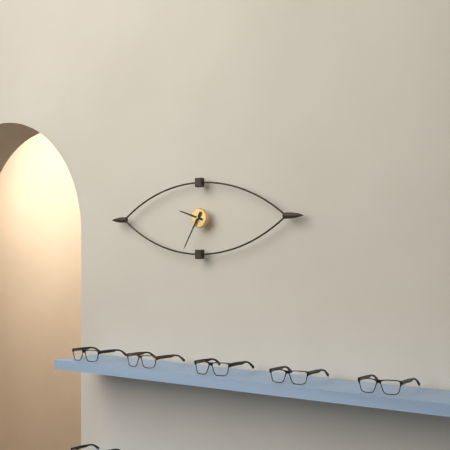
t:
**9:35**
